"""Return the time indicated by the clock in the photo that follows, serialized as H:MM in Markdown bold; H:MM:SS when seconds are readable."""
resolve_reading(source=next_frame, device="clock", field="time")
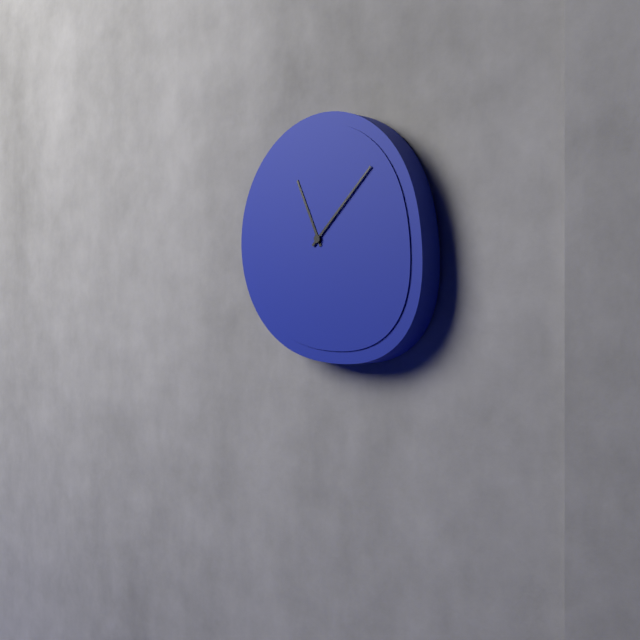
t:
**11:08**
